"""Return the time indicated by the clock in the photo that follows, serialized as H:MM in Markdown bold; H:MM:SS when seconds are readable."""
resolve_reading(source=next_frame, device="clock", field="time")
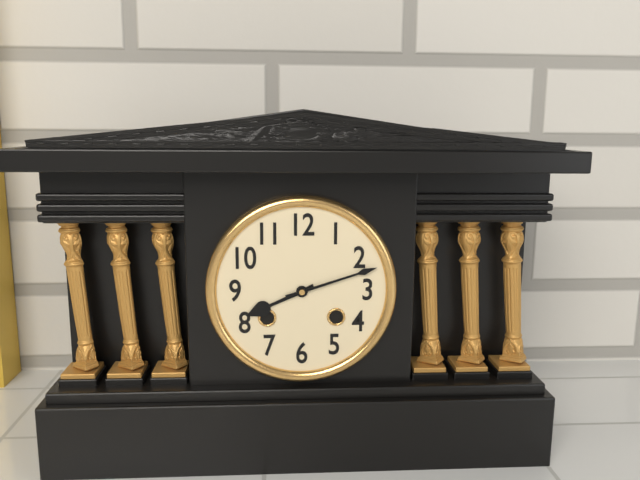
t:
**8:12**
